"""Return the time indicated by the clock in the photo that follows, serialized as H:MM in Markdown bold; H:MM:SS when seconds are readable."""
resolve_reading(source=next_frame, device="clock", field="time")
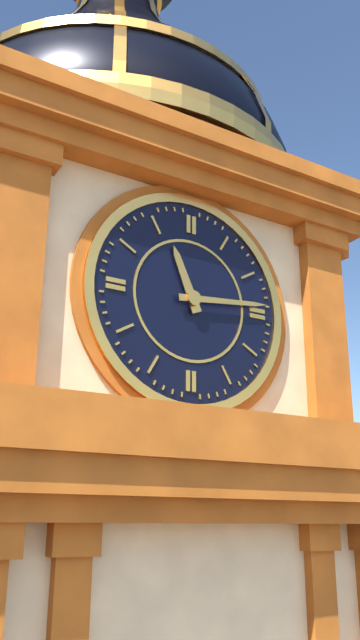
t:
**11:14**
